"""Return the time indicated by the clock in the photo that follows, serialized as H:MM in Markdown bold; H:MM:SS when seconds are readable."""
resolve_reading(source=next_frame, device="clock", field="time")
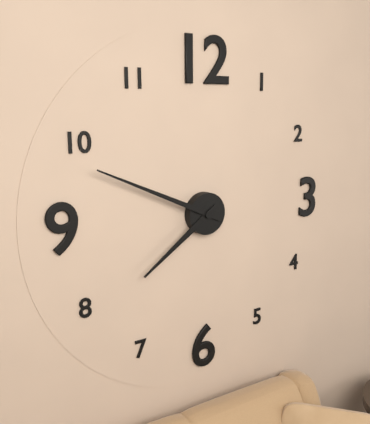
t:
**7:49**
